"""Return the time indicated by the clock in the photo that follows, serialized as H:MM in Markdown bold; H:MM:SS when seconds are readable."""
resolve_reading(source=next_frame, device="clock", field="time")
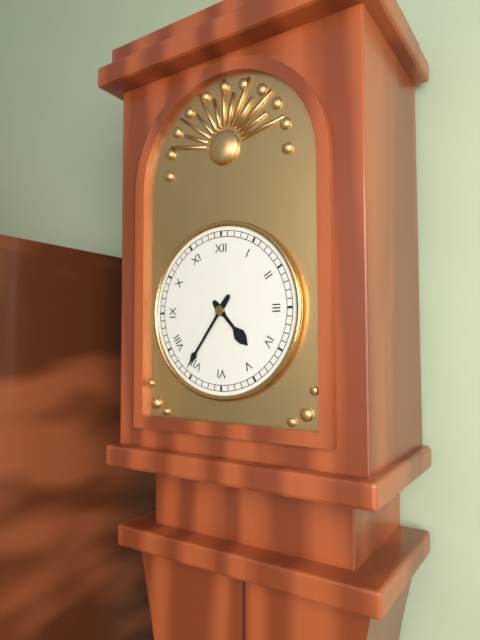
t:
**4:36**
